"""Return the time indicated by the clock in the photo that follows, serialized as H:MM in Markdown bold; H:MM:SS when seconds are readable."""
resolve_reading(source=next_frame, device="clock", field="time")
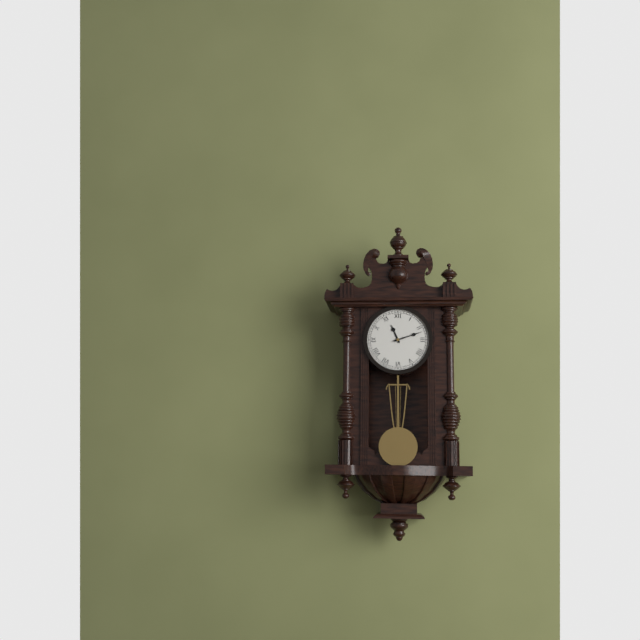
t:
**11:12**
